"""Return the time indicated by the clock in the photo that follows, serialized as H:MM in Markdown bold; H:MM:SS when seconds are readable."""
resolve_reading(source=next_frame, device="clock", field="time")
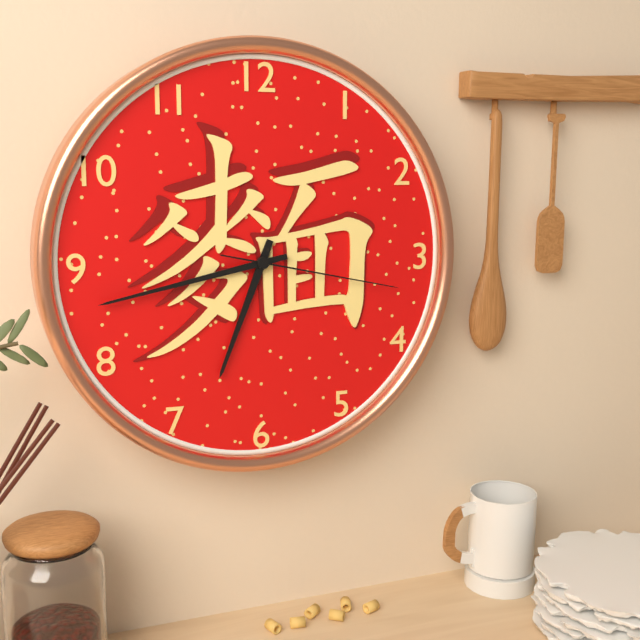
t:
**6:43:17**
